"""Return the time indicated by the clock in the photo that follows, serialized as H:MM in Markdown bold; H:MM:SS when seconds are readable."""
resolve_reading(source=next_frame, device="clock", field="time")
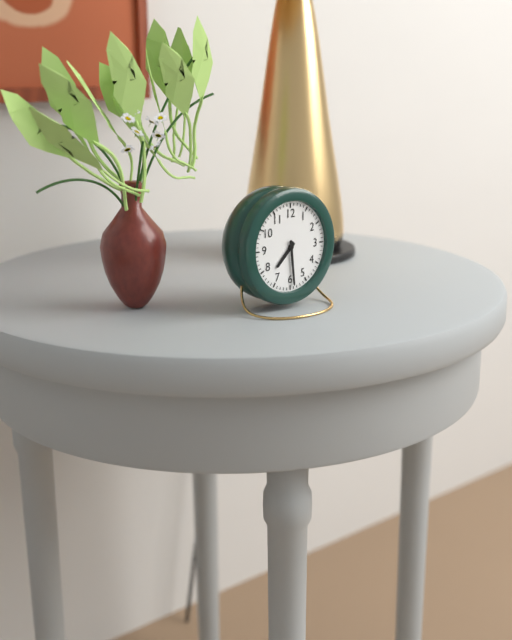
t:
**7:29**
